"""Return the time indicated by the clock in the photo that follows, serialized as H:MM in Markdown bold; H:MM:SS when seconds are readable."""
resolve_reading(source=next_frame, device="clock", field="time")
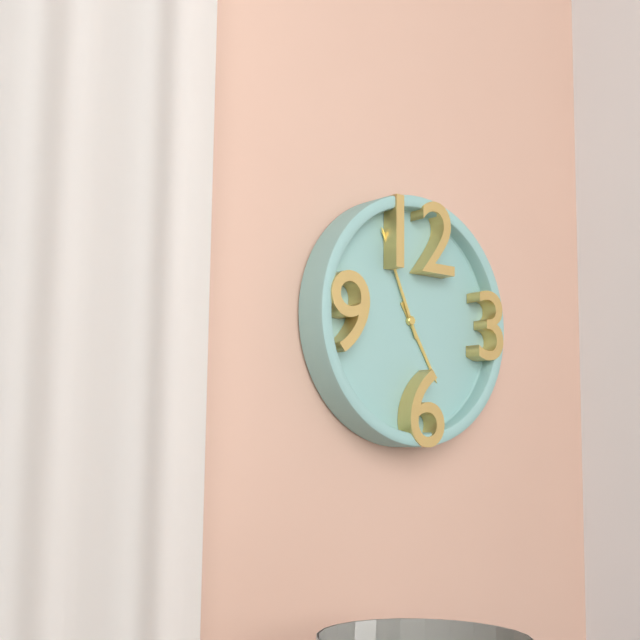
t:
**4:56**
